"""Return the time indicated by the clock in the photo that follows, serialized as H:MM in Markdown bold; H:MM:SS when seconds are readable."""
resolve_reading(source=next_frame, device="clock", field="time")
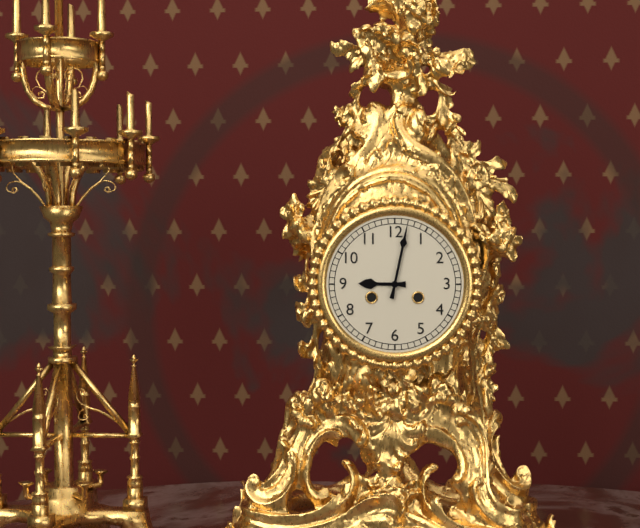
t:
**9:02**
